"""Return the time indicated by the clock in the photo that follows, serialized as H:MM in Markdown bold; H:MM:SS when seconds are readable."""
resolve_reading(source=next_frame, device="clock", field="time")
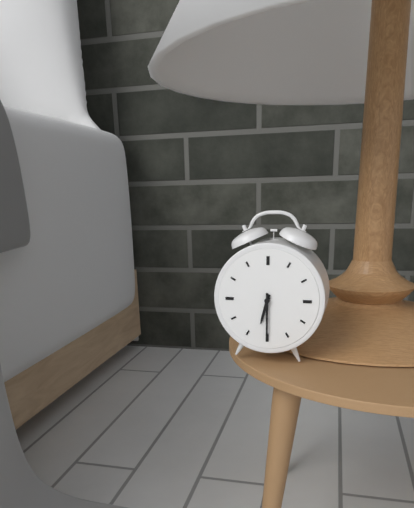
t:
**6:30**
